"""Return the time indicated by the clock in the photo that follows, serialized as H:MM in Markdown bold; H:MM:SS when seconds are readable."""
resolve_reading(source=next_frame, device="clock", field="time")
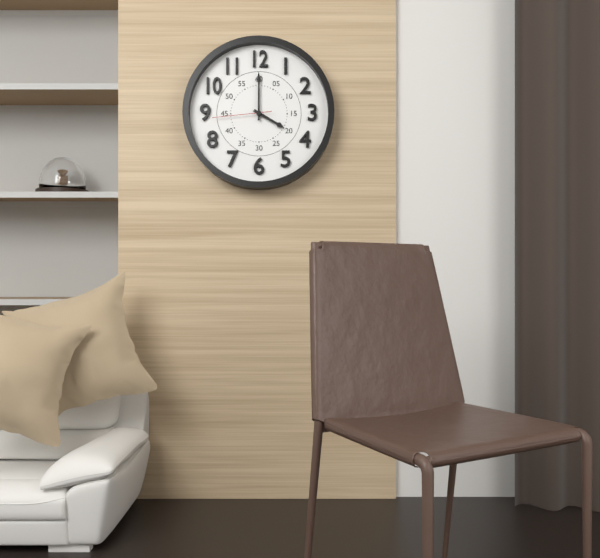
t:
**4:00:44**
